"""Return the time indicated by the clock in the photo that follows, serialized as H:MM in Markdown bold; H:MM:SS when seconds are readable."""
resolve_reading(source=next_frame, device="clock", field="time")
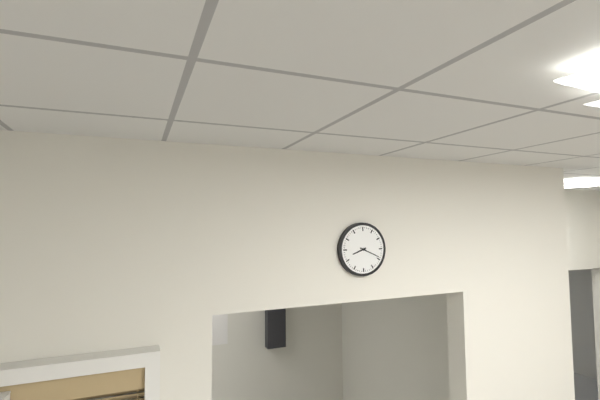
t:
**8:19**
